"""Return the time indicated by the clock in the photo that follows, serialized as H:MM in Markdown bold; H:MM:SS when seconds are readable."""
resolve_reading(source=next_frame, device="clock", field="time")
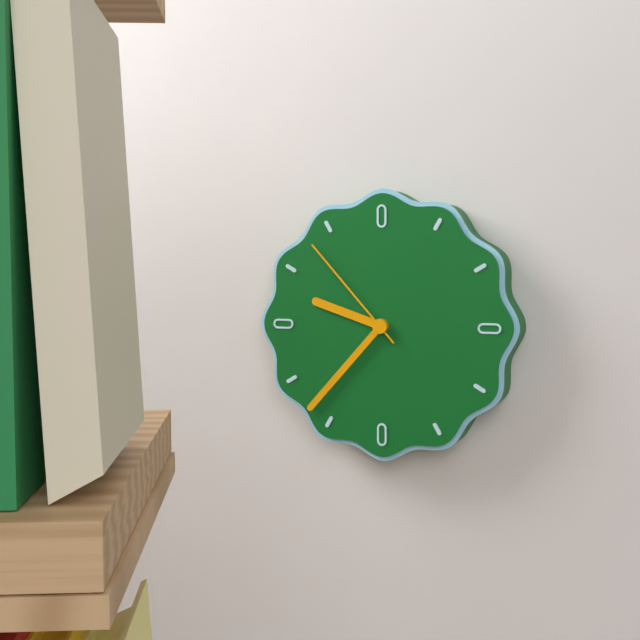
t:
**9:37:53**
